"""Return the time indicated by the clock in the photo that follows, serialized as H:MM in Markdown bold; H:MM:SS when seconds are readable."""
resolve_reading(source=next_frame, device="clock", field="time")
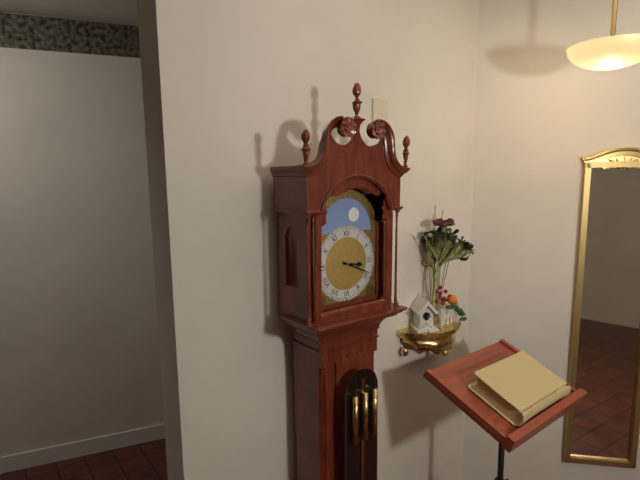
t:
**3:19**
